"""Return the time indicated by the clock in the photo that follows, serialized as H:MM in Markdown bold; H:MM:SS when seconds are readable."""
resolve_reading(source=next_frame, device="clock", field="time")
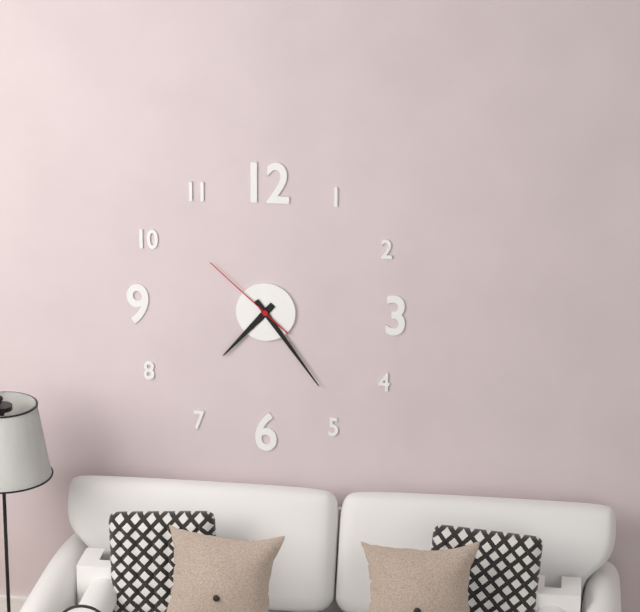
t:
**7:24:52**
